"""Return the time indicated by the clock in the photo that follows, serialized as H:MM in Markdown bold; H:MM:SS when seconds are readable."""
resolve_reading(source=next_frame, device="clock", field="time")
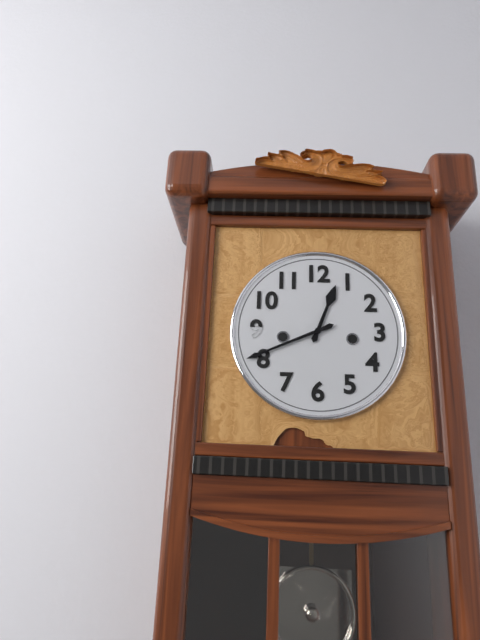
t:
**12:41**
